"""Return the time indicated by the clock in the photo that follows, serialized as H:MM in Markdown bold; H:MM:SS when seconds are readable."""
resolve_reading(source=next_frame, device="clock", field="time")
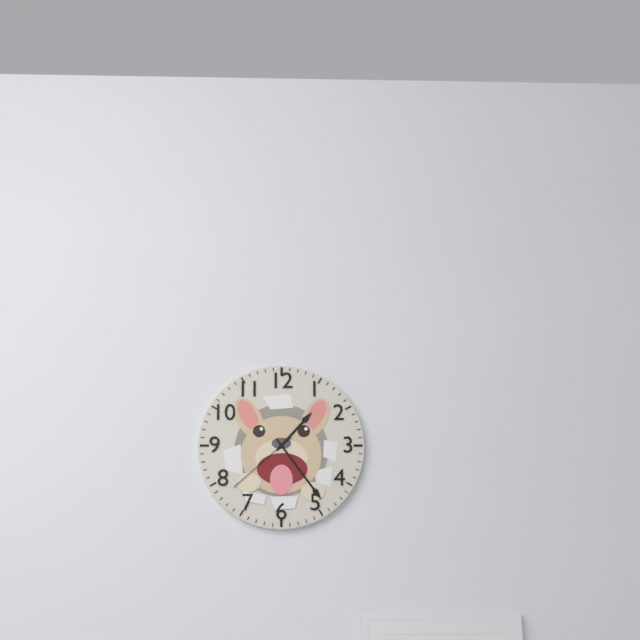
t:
**1:24:38**
